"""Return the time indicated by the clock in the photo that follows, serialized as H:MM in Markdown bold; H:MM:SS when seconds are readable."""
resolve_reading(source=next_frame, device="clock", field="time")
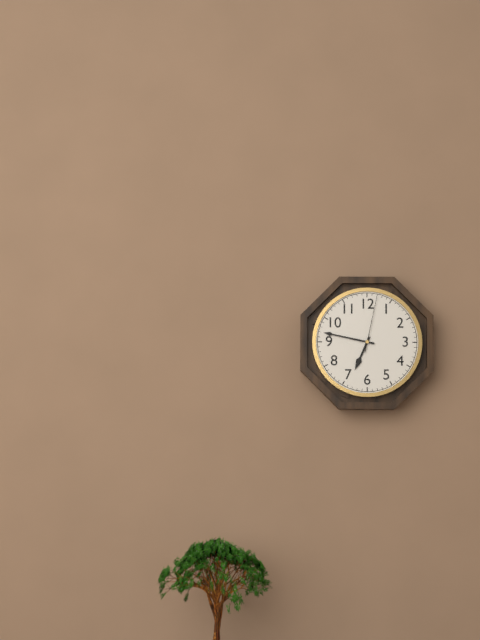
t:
**6:47:02**
